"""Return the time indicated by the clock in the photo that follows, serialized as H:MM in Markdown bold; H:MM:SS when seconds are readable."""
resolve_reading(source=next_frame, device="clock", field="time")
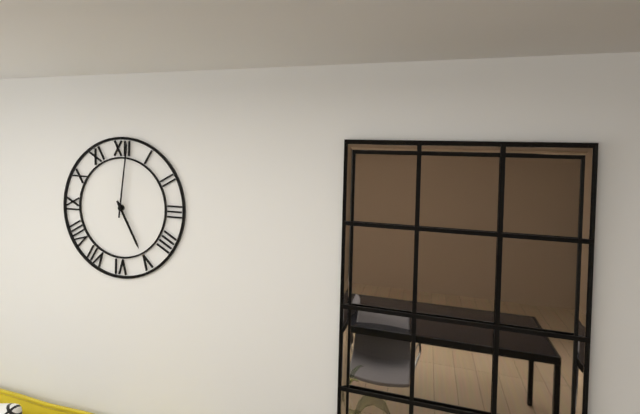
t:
**5:01**
